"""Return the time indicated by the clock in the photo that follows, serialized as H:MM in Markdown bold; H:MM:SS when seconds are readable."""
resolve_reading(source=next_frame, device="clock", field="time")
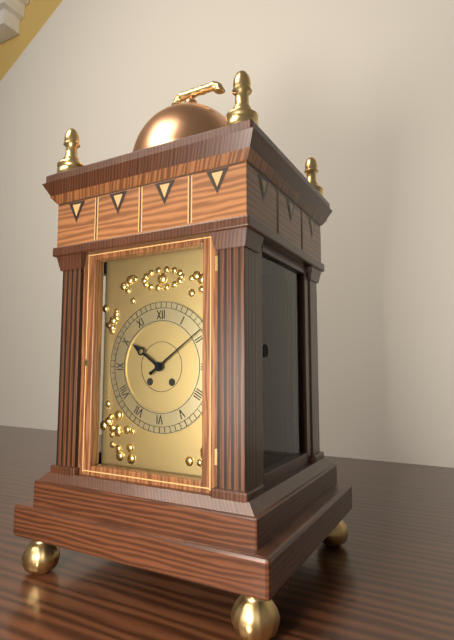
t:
**10:09**
